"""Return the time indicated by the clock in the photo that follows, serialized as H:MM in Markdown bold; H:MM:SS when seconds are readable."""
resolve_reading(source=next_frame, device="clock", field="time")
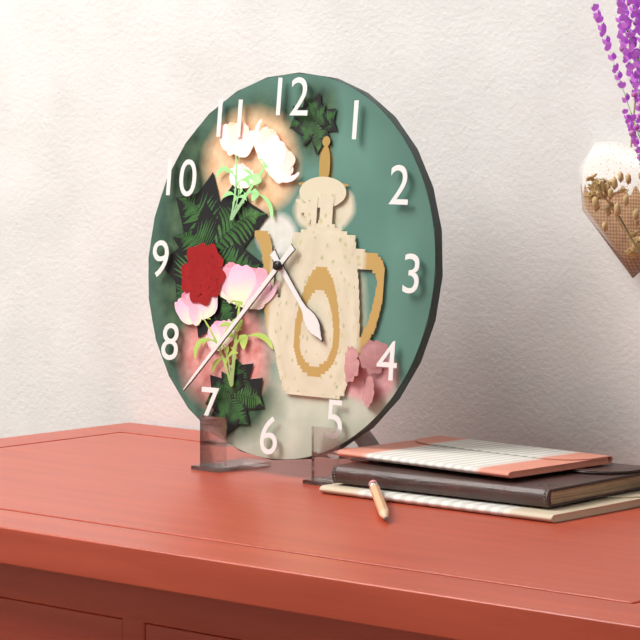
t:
**4:37**
